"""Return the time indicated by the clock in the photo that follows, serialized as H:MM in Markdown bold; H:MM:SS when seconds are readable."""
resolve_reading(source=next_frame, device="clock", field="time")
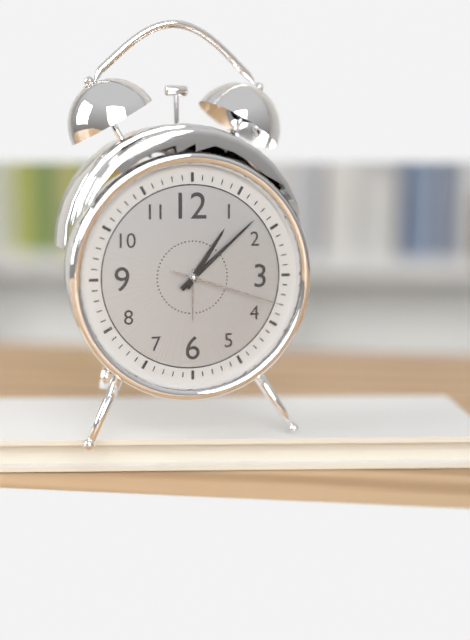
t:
**1:08:18**
